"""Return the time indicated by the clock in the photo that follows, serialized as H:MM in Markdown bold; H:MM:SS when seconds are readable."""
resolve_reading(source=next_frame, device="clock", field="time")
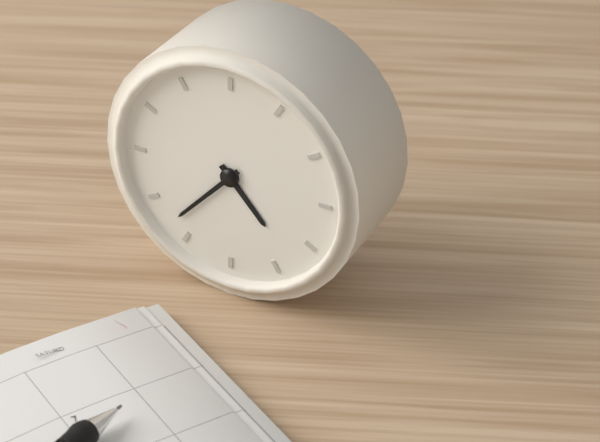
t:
**4:37**
